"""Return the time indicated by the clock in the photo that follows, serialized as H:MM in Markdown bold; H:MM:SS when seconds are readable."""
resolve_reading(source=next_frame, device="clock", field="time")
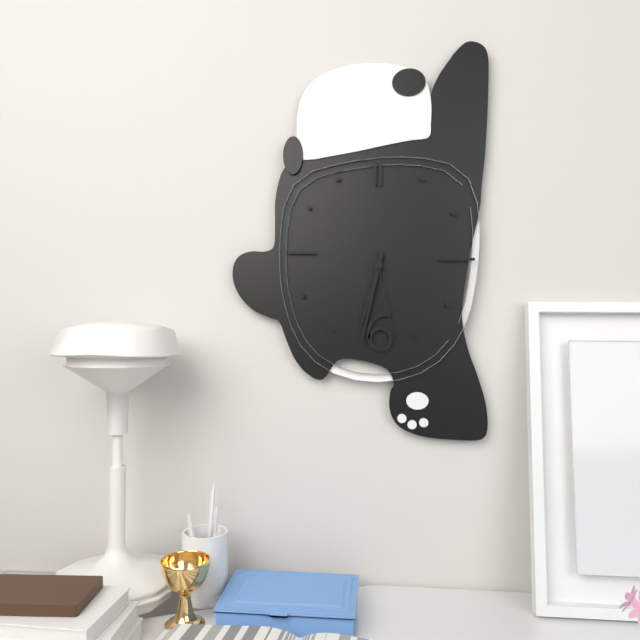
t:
**6:32:28**
